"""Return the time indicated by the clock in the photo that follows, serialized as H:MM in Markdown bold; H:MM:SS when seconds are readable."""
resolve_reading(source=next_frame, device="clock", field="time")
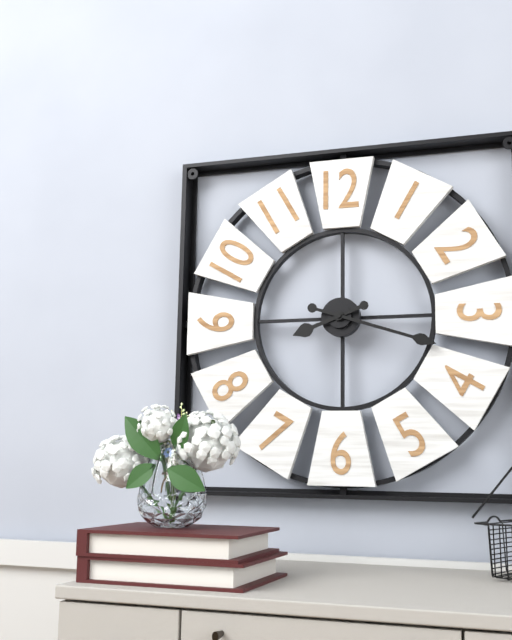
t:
**8:18**
